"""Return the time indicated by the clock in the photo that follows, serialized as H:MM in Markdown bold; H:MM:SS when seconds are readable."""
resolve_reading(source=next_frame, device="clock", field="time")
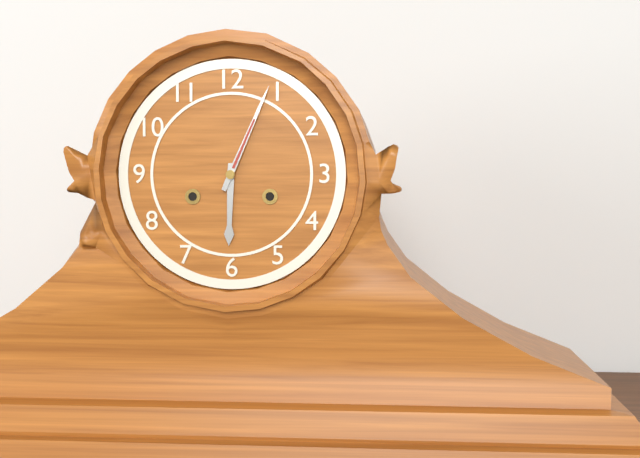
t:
**6:04**
